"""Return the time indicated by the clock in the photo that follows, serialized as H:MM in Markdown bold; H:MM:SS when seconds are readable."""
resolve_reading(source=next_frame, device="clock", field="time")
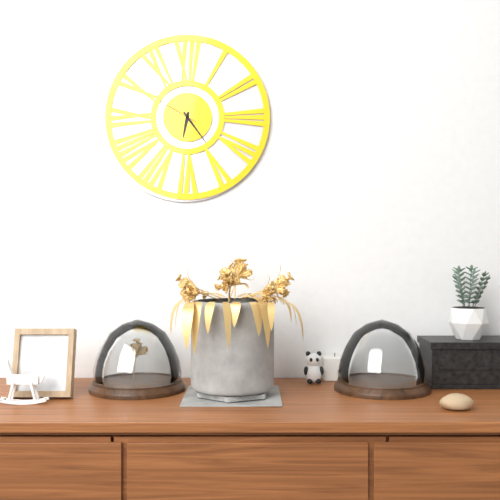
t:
**6:24**
